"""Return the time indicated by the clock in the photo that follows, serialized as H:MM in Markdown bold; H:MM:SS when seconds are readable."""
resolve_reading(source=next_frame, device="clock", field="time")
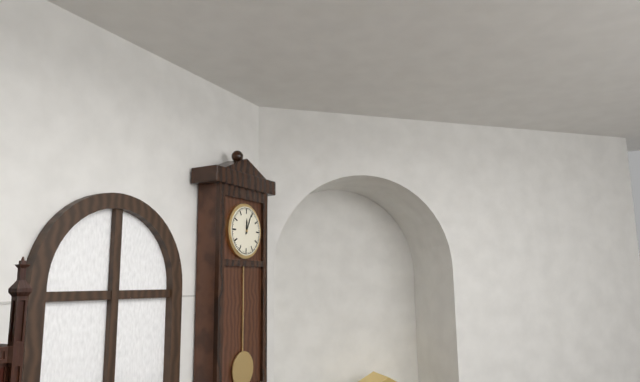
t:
**12:04**
